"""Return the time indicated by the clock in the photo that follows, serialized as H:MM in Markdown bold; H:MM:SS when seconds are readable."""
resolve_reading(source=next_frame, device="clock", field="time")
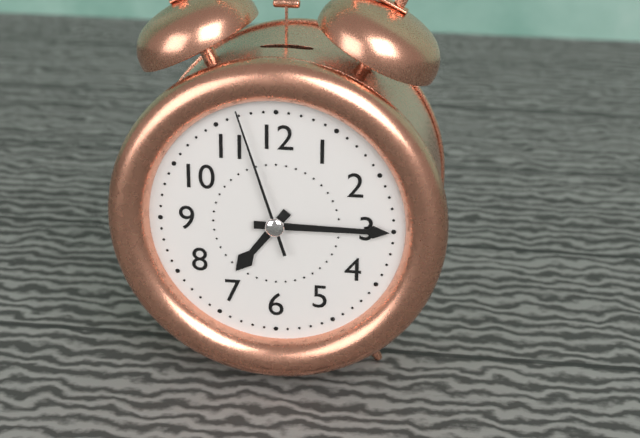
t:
**7:15:57**
